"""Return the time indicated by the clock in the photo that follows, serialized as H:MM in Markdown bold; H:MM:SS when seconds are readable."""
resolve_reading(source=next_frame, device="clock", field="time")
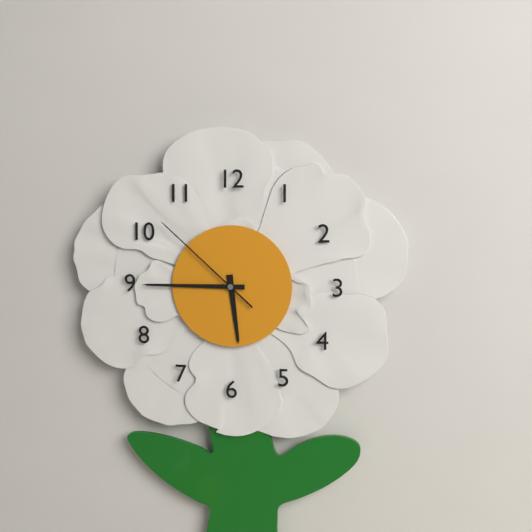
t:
**5:45:52**
